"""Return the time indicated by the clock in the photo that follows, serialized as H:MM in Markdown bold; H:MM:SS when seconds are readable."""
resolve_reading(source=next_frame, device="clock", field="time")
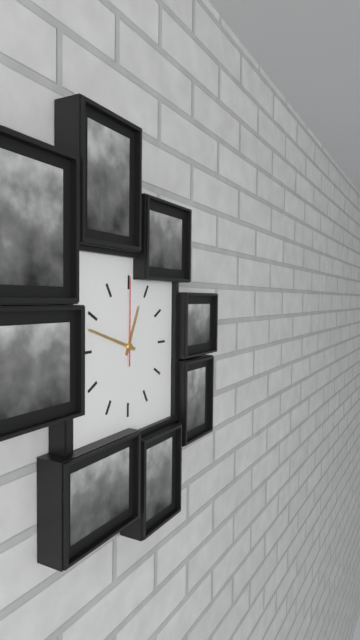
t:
**12:48:00**
